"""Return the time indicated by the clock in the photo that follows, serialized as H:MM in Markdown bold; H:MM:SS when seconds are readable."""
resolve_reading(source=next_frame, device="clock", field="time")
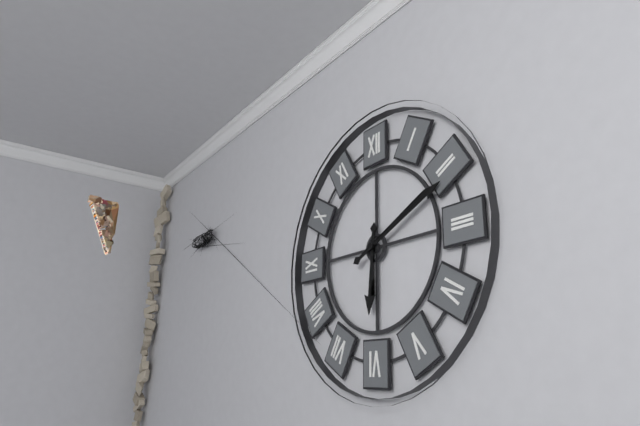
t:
**6:11**
